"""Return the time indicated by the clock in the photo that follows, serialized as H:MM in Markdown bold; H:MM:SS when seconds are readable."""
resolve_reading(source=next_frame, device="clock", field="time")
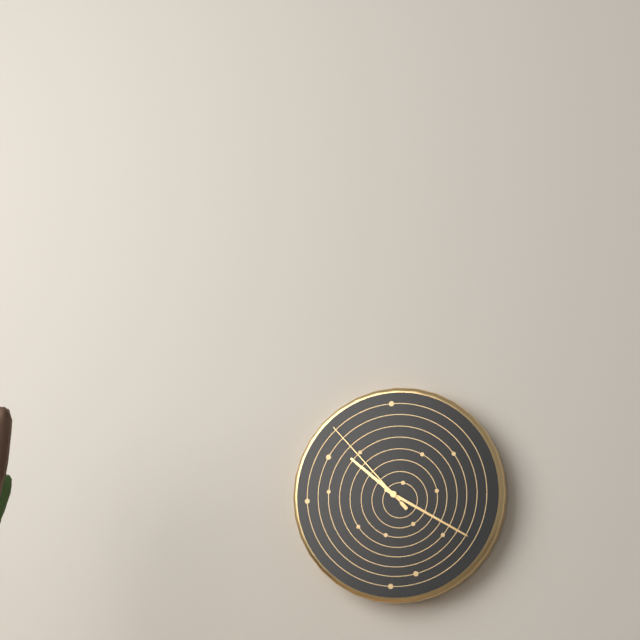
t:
**10:20:53**
